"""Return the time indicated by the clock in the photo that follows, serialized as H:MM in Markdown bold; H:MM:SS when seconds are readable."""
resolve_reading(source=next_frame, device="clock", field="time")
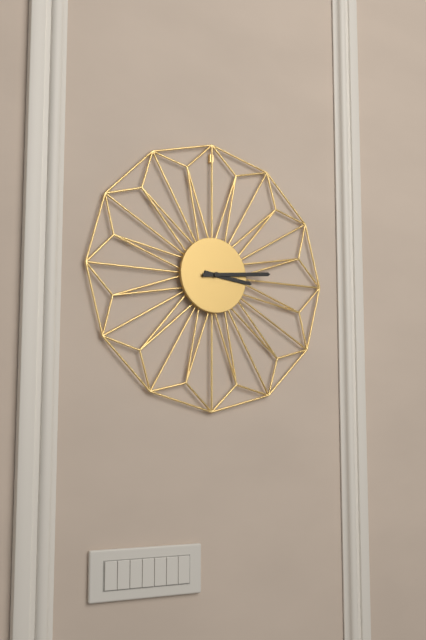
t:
**3:14**
